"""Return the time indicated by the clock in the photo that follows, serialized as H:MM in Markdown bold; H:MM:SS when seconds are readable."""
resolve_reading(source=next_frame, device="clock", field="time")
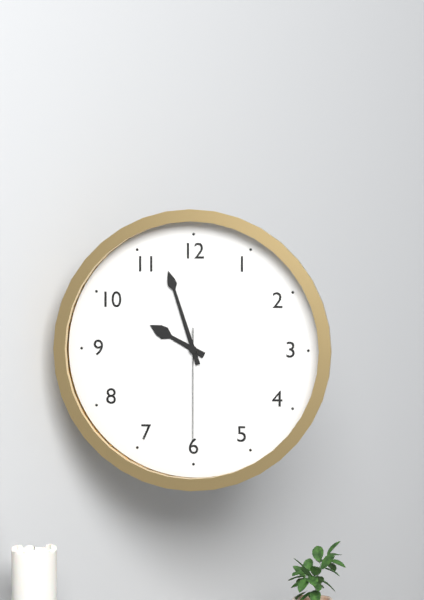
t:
**9:57:30**
